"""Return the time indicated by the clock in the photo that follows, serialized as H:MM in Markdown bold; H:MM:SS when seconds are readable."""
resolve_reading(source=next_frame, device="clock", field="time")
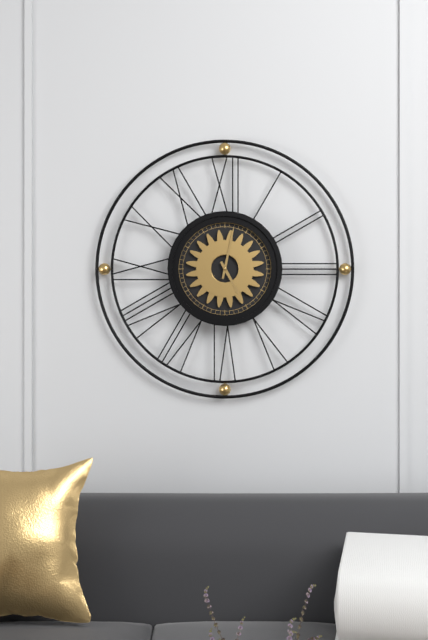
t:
**5:02**
